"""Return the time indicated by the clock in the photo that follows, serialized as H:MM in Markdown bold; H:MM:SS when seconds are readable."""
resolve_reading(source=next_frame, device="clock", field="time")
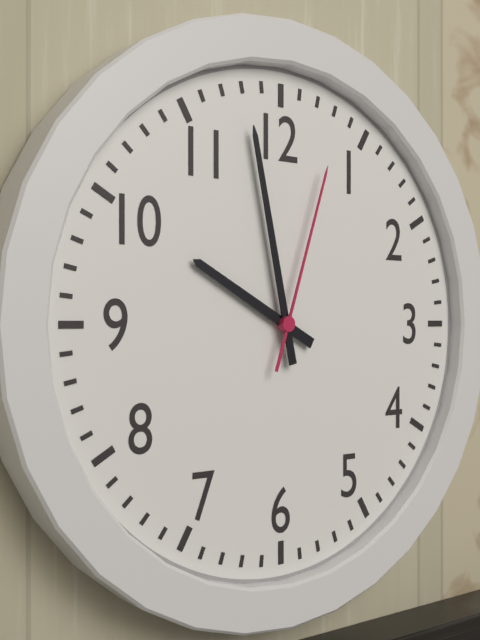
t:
**9:58:03**
